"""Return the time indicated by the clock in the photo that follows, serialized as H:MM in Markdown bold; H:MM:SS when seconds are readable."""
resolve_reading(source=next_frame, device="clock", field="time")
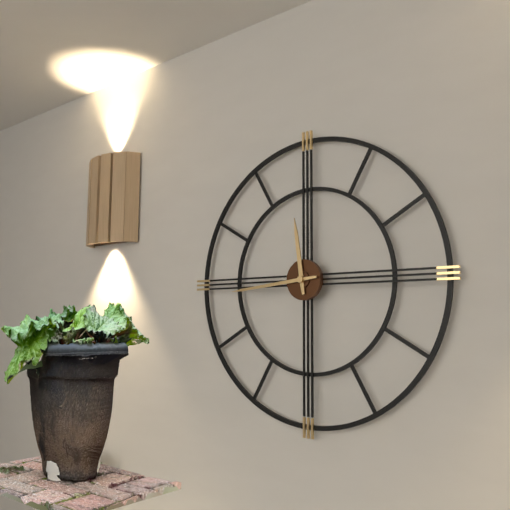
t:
**11:44**
